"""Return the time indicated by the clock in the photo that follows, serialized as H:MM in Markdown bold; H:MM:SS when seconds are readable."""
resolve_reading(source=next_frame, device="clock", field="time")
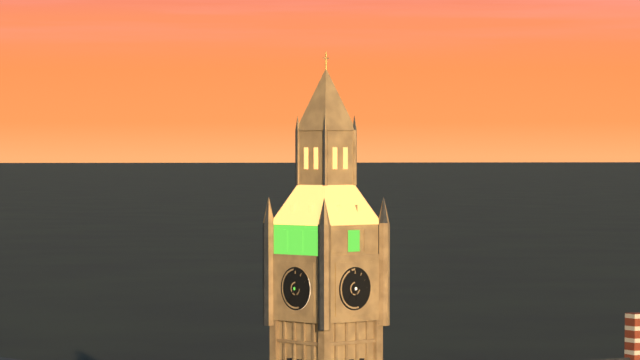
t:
**5:37**
